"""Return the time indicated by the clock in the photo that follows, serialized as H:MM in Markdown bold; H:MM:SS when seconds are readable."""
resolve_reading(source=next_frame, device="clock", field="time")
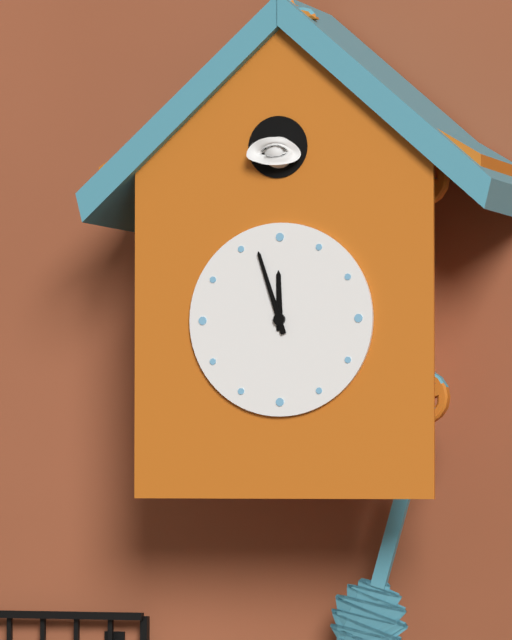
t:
**11:57**
